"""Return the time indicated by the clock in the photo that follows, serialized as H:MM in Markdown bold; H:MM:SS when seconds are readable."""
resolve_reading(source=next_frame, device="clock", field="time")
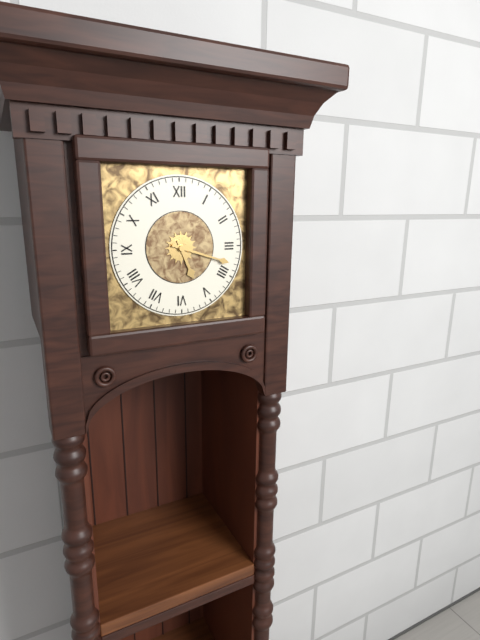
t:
**5:18**
